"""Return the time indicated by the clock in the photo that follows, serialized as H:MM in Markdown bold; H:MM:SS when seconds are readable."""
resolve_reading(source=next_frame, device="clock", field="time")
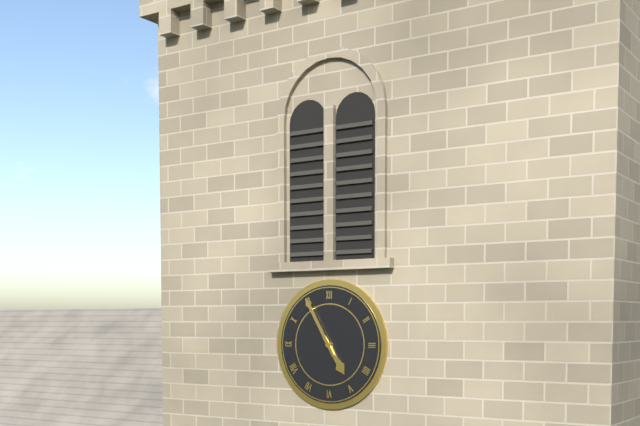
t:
**4:55**
